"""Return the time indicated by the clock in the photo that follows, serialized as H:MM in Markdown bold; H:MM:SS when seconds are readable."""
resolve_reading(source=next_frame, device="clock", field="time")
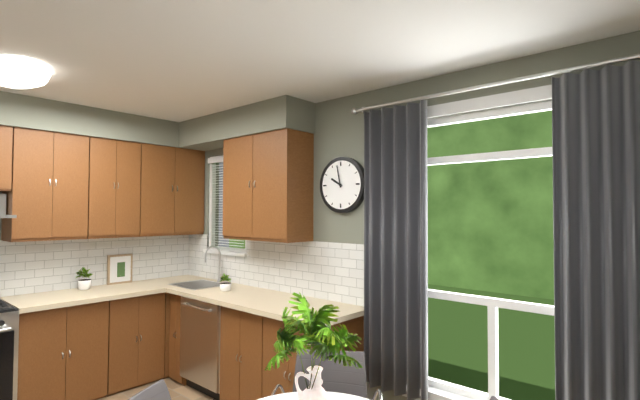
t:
**9:58**
